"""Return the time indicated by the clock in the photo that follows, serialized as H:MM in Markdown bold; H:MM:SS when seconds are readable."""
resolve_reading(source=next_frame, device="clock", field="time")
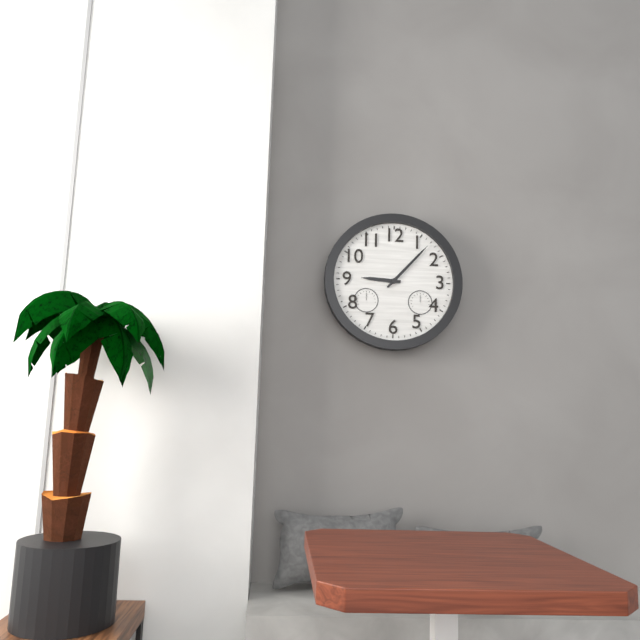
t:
**9:07**
